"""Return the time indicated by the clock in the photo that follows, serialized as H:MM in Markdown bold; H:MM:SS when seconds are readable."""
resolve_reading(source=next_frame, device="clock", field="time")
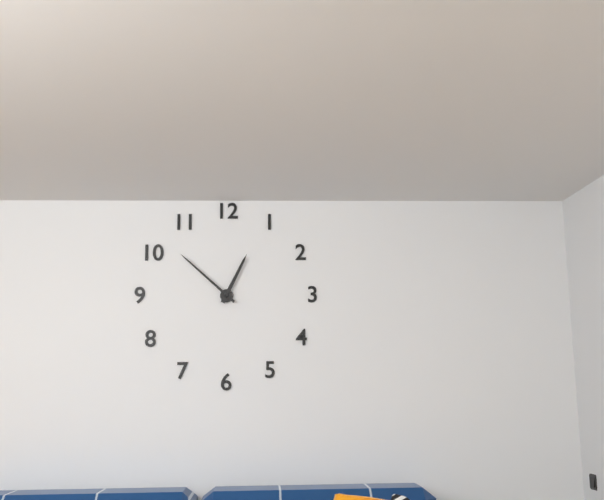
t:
**12:52**
